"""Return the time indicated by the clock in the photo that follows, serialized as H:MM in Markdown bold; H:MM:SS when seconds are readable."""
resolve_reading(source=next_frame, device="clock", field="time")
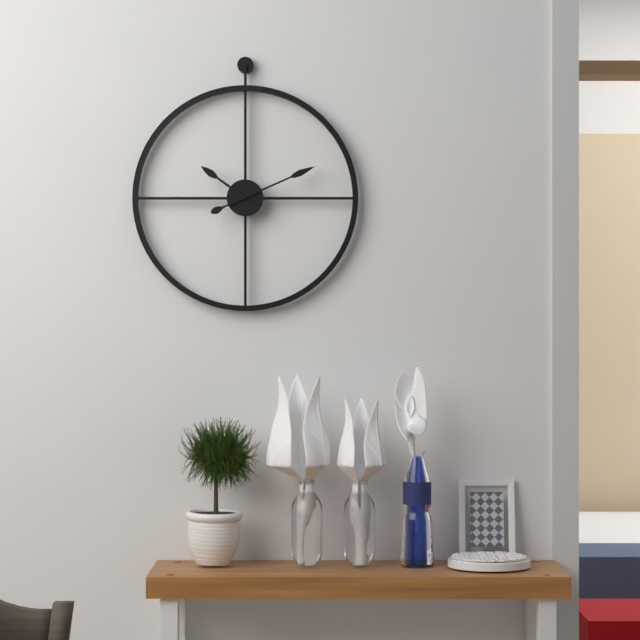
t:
**10:11**
